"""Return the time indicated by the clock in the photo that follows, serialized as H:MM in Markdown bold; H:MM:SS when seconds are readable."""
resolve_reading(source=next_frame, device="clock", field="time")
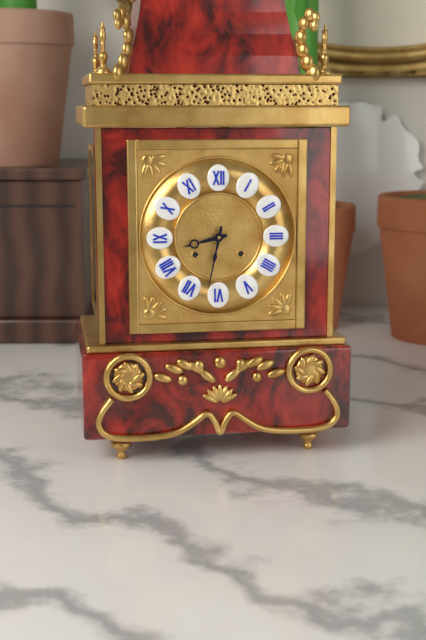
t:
**8:32**
